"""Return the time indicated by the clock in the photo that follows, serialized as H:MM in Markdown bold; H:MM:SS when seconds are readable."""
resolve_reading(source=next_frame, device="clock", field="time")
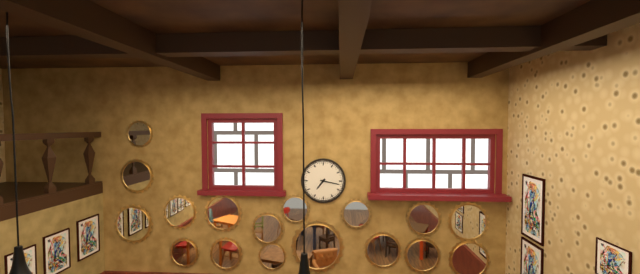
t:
**7:17**
